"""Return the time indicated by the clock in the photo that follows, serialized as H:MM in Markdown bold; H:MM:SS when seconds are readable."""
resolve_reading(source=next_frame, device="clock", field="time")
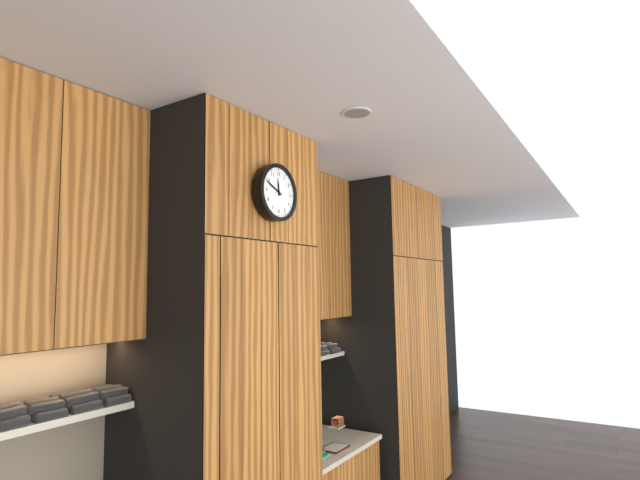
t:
**11:49**
